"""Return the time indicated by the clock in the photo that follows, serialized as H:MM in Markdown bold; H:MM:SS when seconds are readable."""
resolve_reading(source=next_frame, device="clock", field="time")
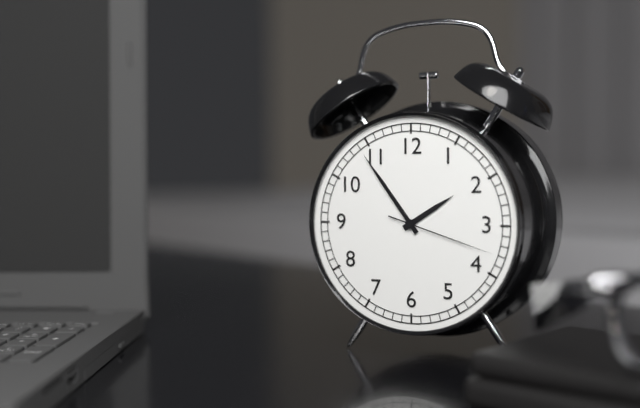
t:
**1:54:18**
